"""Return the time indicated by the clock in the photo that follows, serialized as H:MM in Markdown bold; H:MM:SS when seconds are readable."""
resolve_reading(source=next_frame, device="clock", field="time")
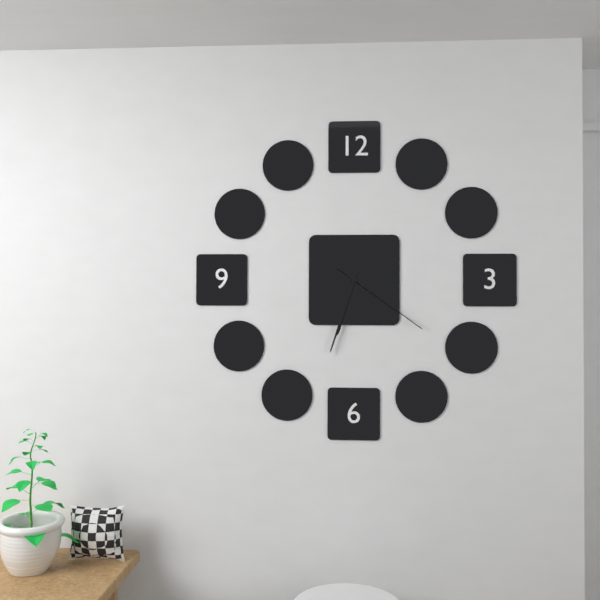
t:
**6:33:21**
